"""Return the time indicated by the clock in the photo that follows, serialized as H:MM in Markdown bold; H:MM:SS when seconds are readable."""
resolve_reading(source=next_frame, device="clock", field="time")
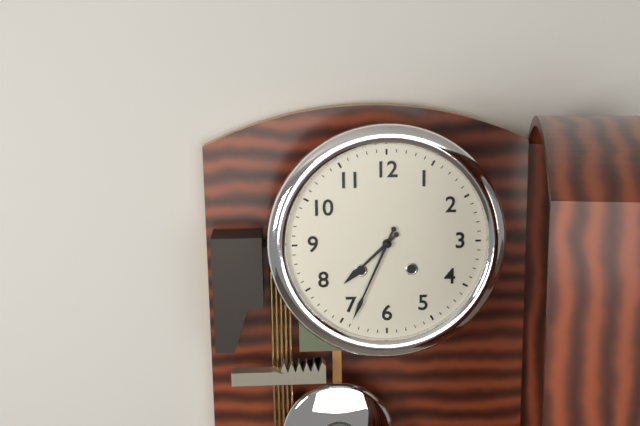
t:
**7:34**
